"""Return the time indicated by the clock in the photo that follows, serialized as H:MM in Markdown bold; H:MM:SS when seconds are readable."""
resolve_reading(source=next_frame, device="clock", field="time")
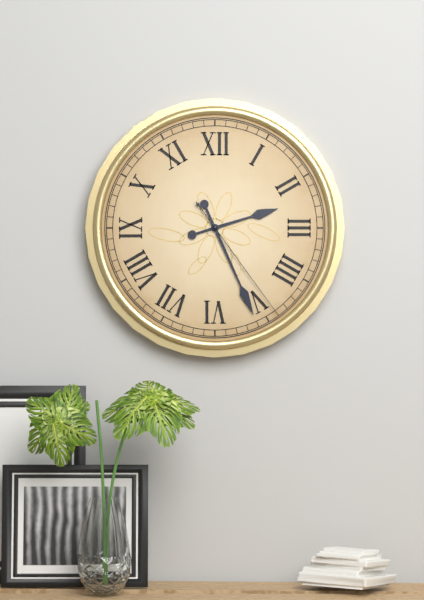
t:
**2:26:24**
